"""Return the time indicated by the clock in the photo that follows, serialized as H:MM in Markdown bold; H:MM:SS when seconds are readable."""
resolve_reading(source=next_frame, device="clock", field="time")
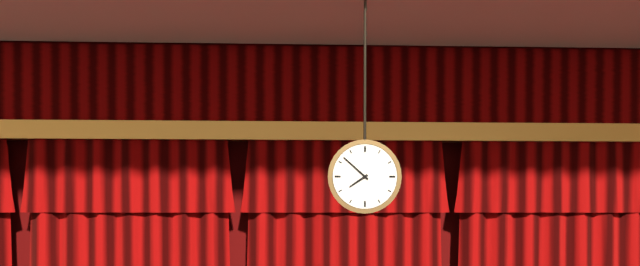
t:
**7:52**
